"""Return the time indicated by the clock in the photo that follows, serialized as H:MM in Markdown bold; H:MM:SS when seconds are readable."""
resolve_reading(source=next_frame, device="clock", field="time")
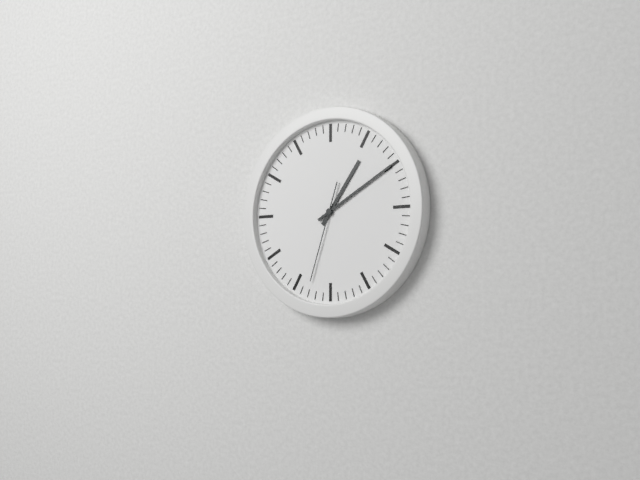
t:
**1:10:33**
